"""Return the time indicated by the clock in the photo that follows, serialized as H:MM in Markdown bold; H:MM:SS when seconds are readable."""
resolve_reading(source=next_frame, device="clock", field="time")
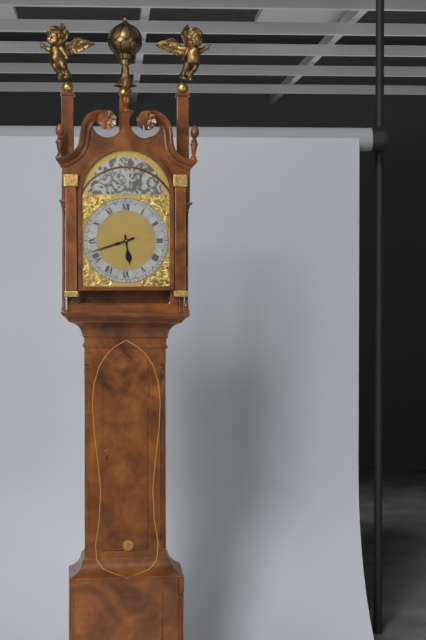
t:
**5:42**
